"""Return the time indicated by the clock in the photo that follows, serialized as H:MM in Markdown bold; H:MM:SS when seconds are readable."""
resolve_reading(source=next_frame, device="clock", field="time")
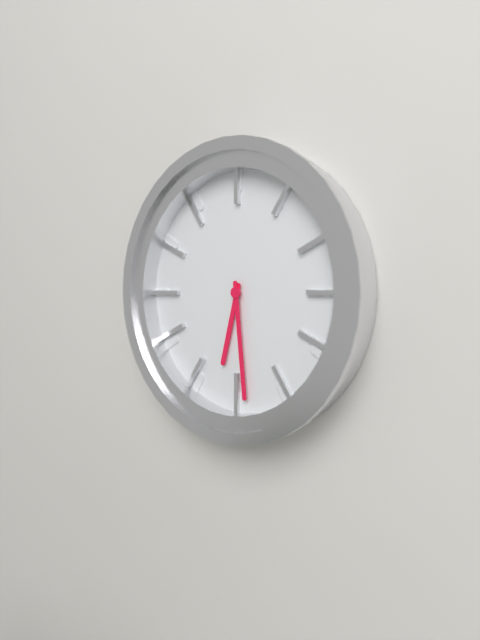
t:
**6:29**
